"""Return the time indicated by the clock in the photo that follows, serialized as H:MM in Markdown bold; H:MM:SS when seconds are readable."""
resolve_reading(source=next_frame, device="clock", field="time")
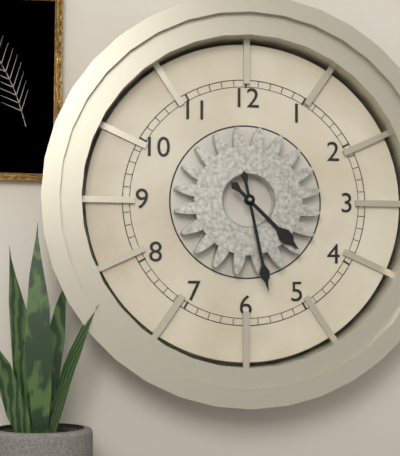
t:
**4:28**
